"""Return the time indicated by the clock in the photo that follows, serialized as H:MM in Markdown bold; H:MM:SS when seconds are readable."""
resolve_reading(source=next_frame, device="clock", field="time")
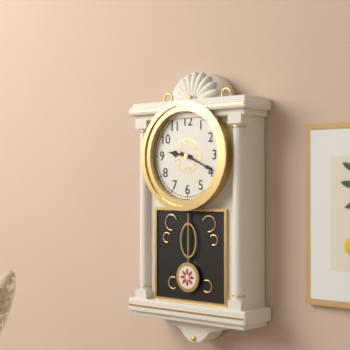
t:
**9:19**
